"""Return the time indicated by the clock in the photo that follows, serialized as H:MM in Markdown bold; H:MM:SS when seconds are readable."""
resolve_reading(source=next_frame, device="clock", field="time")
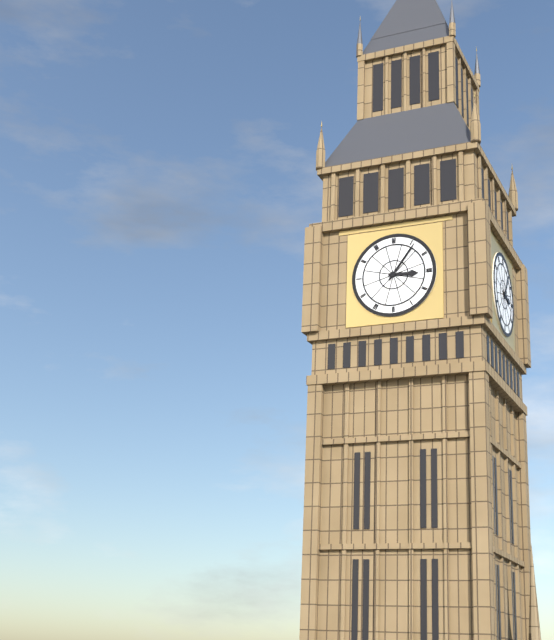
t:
**3:06**
